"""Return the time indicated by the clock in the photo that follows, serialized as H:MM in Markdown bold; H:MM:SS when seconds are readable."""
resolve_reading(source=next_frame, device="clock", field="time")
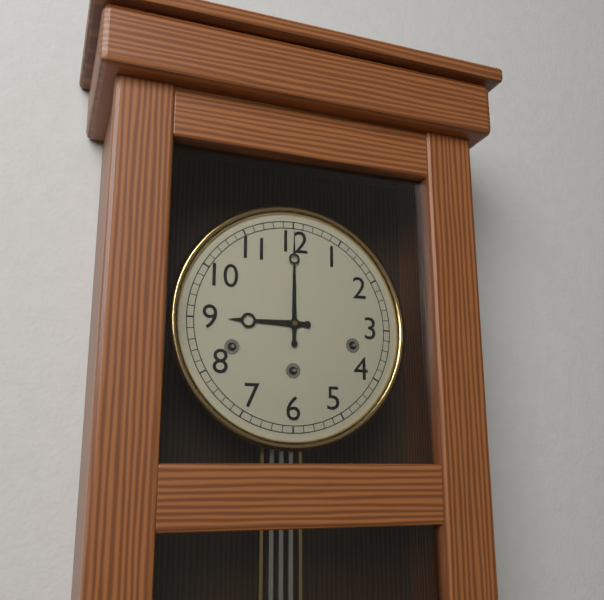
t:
**9:00**
